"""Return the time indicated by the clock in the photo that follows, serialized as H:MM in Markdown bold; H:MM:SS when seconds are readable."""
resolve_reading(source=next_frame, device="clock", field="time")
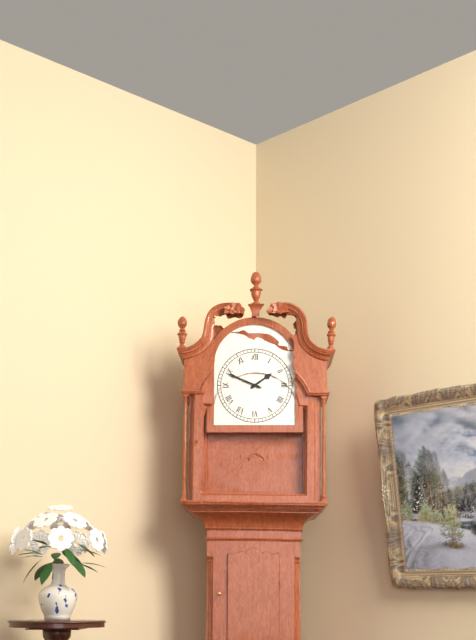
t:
**1:49**
